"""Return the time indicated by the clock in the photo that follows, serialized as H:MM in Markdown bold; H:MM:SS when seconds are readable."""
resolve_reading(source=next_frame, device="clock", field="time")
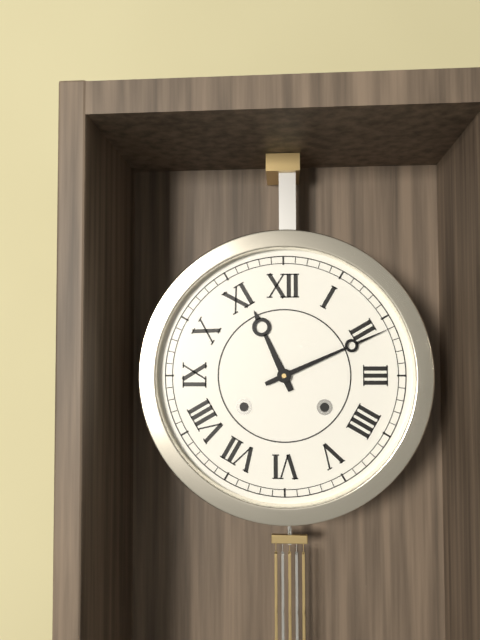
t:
**11:11**
